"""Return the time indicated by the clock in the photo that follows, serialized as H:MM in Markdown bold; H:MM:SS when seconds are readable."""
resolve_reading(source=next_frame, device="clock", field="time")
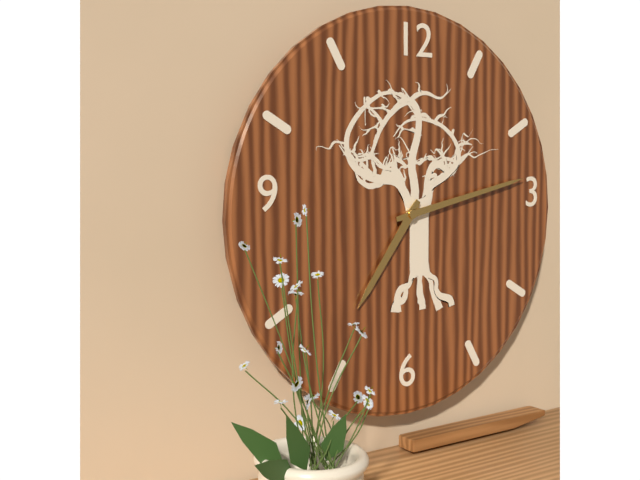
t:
**7:13**
